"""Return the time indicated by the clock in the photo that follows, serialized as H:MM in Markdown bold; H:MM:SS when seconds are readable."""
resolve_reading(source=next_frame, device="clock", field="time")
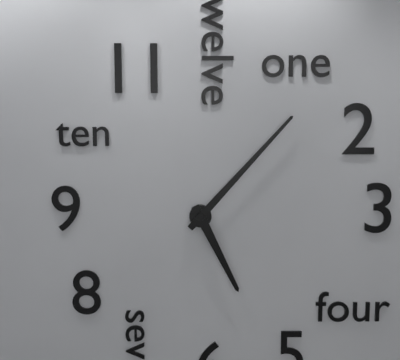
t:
**5:07**
